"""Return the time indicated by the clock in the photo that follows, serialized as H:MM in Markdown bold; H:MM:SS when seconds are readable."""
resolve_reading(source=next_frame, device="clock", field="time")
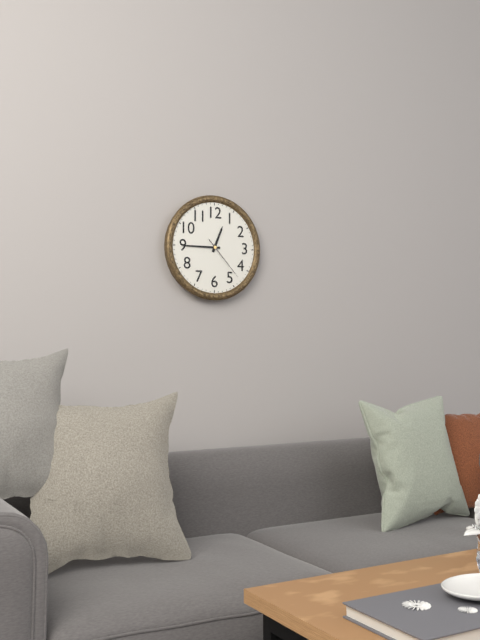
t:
**12:45**
